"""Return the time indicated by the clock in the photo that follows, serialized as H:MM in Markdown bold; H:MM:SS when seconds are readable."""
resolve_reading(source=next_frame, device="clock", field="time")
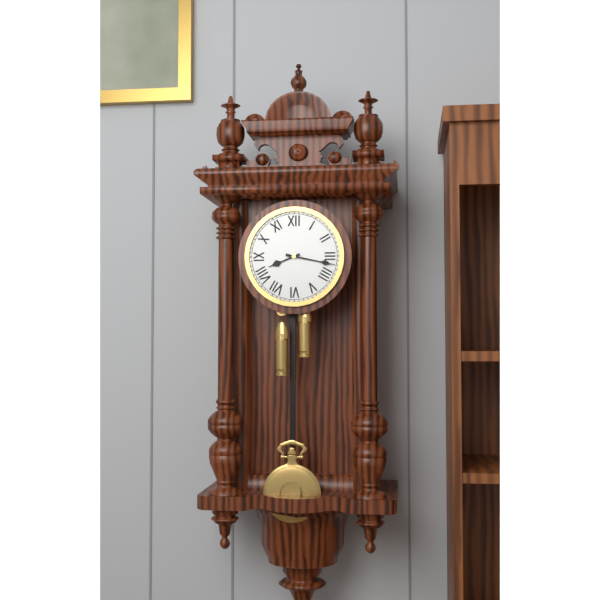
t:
**8:17**
